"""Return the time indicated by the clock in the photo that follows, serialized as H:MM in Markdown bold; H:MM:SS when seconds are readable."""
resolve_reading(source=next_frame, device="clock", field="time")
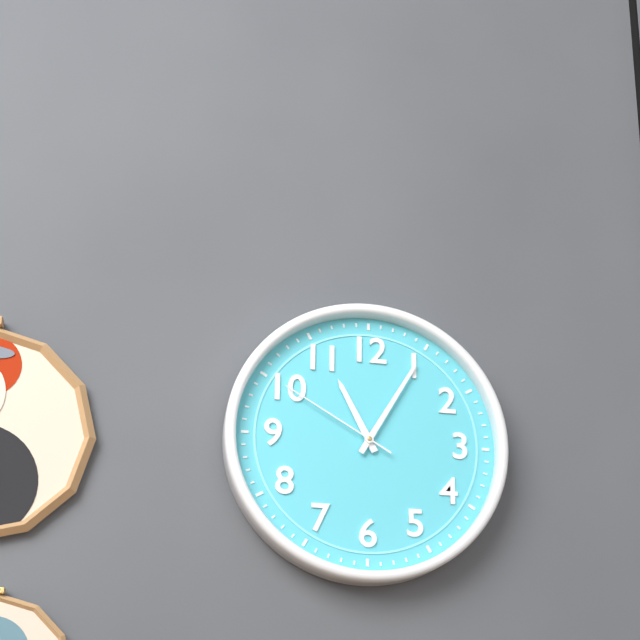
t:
**11:05:50**
